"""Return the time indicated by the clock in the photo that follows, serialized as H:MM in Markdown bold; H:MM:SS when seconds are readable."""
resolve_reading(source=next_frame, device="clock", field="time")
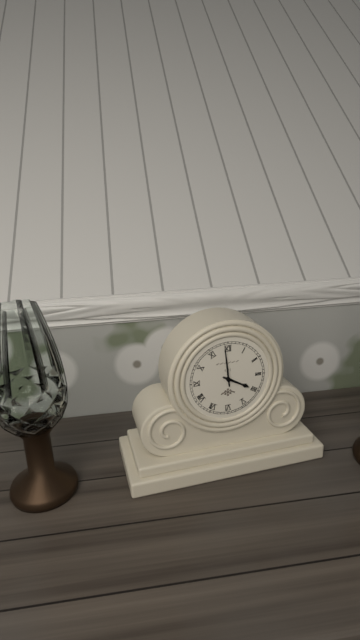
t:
**3:59**
